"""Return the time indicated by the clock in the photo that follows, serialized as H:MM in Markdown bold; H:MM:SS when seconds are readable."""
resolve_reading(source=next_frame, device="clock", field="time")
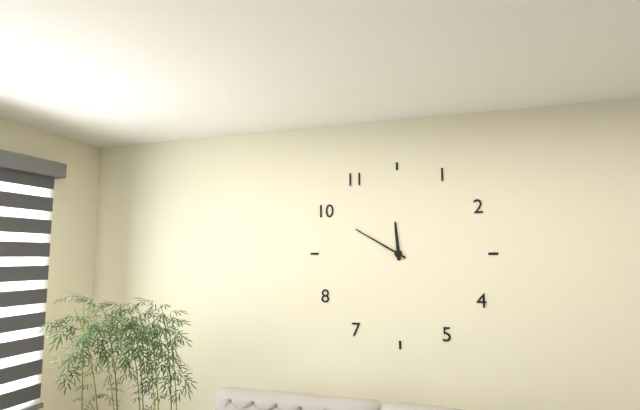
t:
**11:50**
